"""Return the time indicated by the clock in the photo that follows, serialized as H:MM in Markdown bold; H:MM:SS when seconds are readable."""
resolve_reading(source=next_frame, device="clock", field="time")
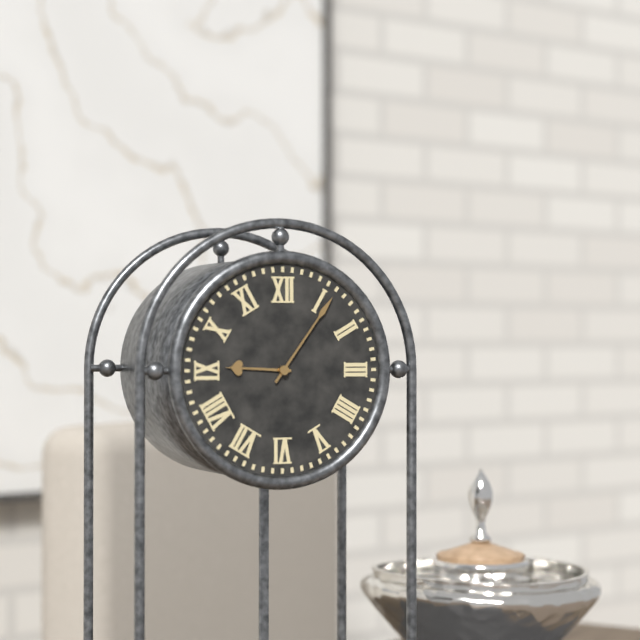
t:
**9:06**
